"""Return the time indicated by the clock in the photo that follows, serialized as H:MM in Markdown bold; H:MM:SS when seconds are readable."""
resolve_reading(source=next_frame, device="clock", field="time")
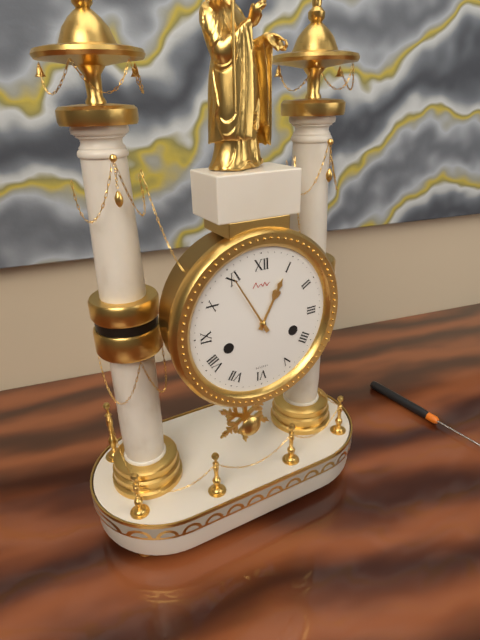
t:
**12:55**
